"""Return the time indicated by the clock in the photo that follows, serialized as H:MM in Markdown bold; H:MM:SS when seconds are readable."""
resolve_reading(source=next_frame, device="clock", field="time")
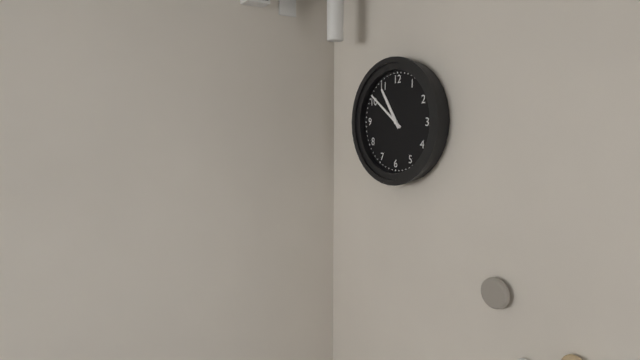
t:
**10:51**
